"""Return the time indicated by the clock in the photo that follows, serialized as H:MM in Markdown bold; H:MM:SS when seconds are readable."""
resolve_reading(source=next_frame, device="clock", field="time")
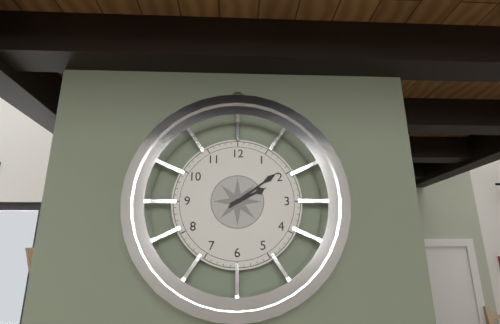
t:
**2:09**
